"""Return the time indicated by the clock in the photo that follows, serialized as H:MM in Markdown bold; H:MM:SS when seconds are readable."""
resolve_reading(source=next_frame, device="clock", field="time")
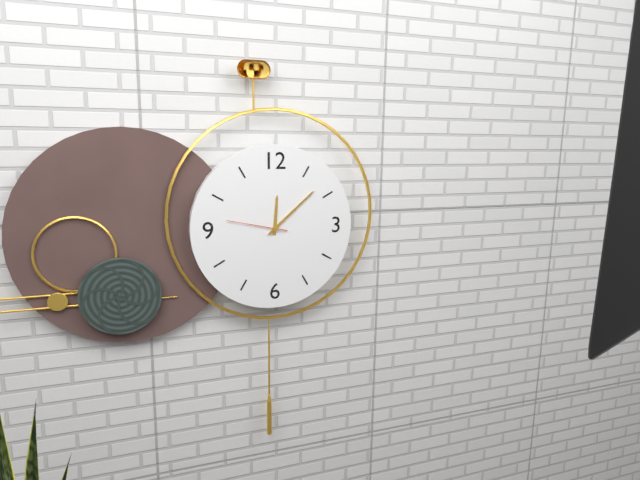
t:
**12:08:47**
